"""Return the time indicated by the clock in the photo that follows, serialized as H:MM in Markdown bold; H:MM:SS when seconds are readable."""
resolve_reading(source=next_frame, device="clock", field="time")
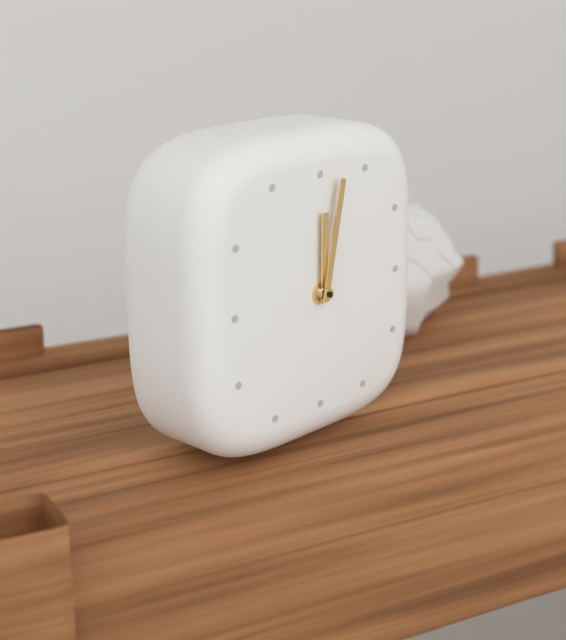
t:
**12:02**
